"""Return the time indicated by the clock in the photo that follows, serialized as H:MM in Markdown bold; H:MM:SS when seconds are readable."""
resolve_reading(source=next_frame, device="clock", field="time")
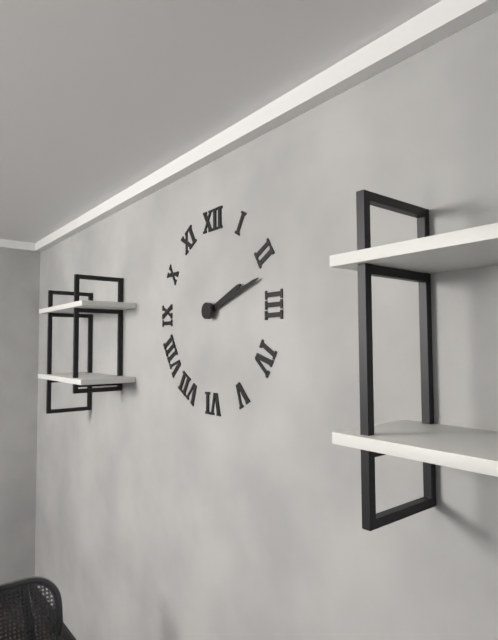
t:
**2:12**
